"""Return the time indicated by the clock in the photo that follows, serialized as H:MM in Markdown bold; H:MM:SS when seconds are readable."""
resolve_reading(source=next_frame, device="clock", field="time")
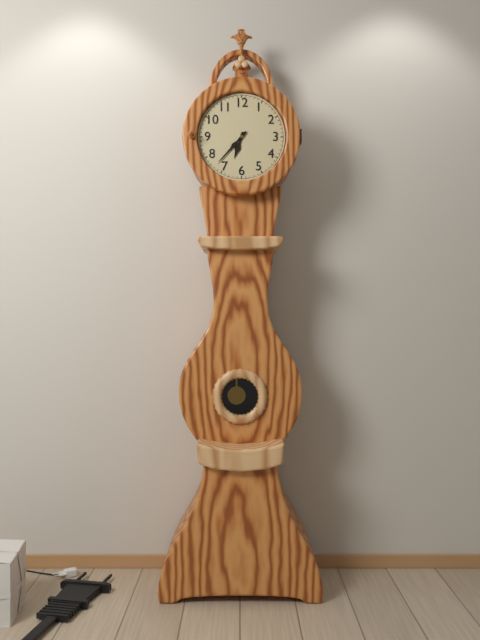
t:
**6:37**
